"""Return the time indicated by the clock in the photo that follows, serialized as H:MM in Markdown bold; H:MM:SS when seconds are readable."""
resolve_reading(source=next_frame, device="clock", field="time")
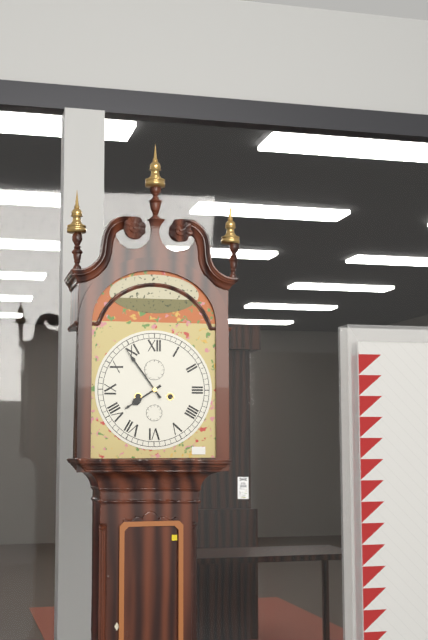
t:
**7:54**
